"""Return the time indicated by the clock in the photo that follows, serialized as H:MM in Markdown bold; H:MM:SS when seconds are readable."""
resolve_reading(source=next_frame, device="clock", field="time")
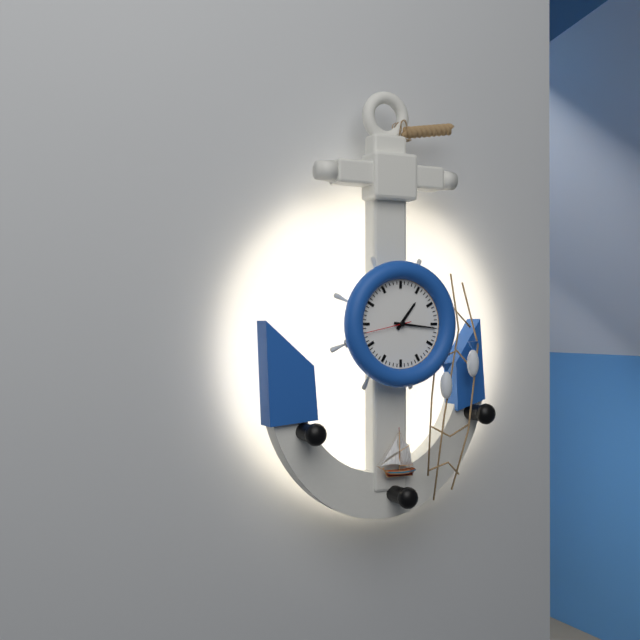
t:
**1:16**
